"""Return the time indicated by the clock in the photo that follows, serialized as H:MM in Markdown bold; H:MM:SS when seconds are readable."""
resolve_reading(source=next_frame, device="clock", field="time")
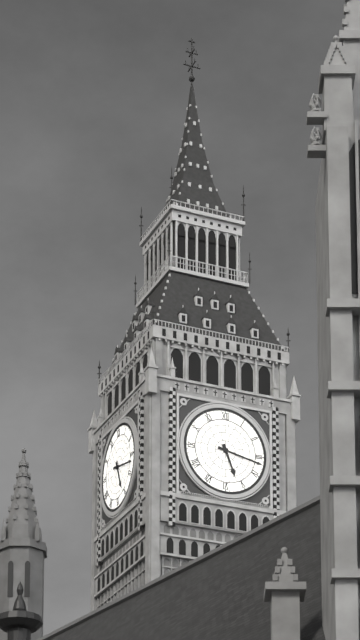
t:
**5:17**
